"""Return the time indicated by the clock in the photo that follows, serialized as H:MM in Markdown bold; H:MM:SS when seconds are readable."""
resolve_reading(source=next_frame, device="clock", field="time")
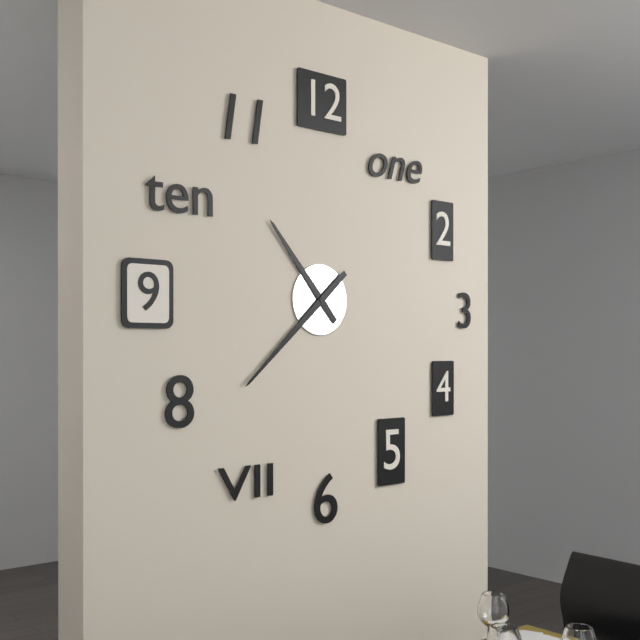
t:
**10:38**
